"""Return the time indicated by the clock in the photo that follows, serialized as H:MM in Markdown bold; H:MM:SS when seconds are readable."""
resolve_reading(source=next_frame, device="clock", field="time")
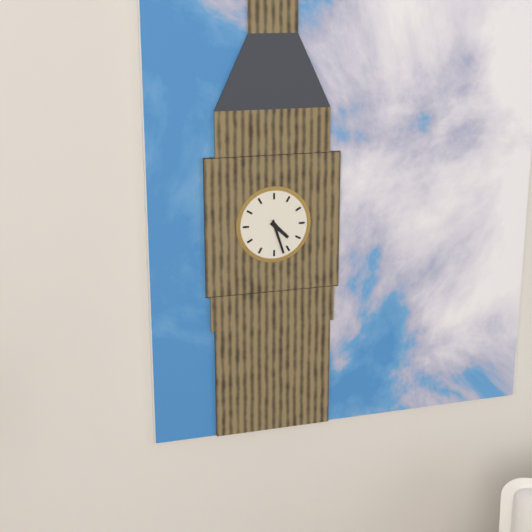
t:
**4:27**
